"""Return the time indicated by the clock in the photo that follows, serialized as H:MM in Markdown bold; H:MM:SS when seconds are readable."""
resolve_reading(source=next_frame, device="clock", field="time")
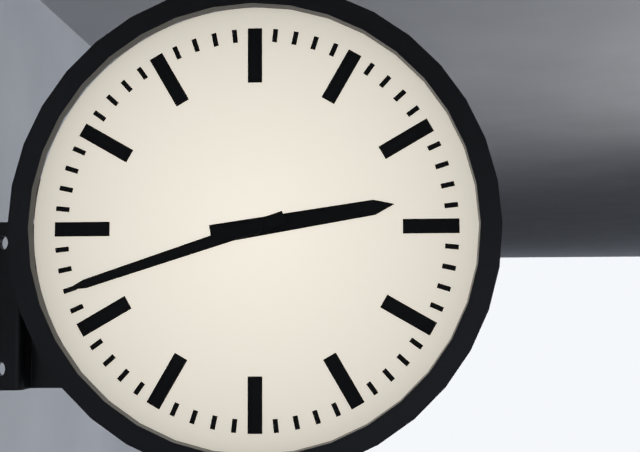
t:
**2:42**
